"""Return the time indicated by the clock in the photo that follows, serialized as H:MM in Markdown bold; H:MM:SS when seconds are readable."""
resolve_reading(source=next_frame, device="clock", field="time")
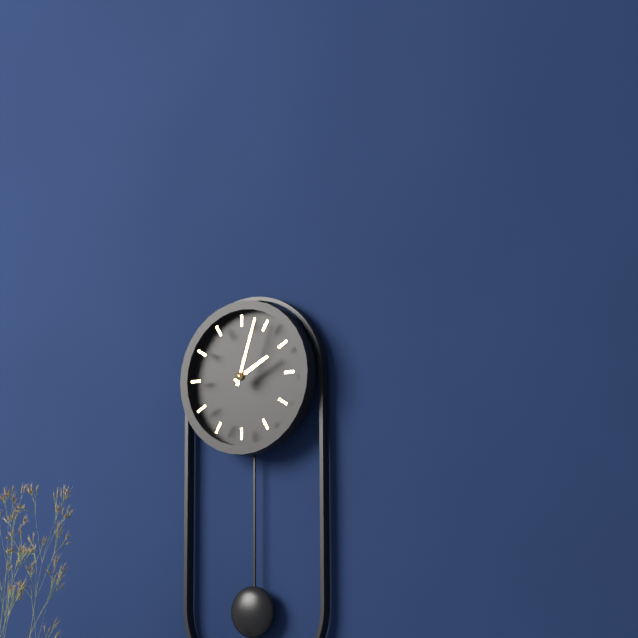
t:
**2:03**
